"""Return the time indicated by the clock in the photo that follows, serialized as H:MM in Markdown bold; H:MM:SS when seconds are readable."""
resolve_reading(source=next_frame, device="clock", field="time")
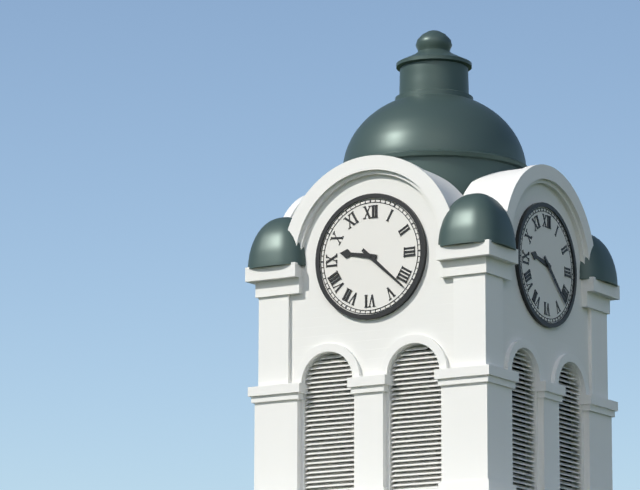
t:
**9:22**
